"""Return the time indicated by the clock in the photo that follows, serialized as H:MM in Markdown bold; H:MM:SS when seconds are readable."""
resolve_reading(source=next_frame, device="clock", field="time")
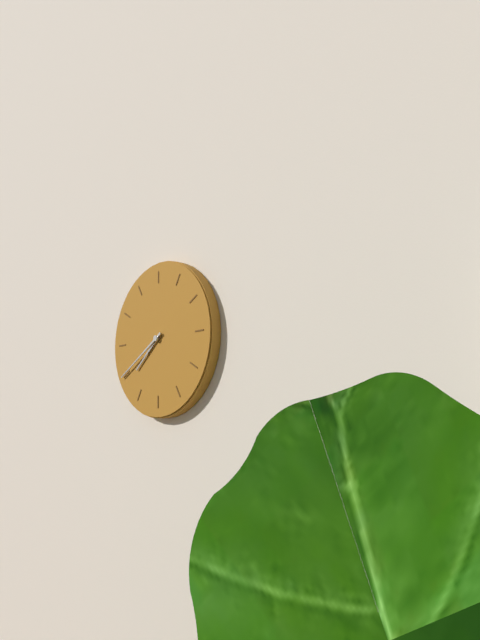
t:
**7:40**
